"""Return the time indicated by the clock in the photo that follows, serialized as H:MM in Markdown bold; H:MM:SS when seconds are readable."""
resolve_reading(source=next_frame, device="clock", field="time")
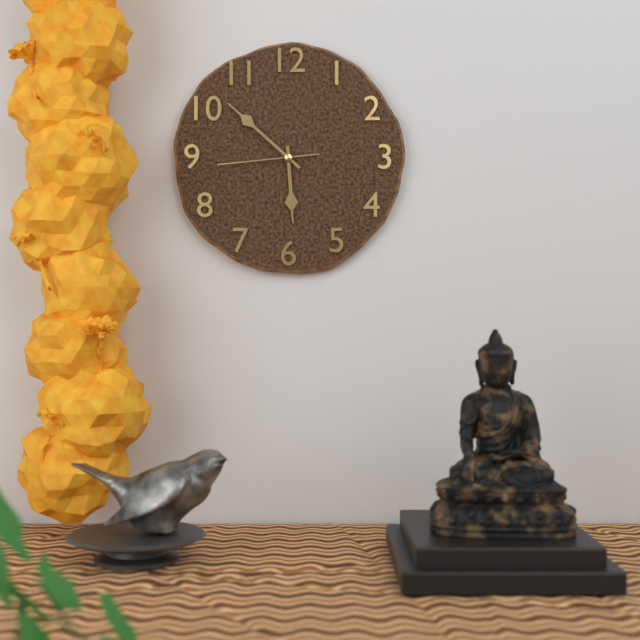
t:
**5:52:44**
